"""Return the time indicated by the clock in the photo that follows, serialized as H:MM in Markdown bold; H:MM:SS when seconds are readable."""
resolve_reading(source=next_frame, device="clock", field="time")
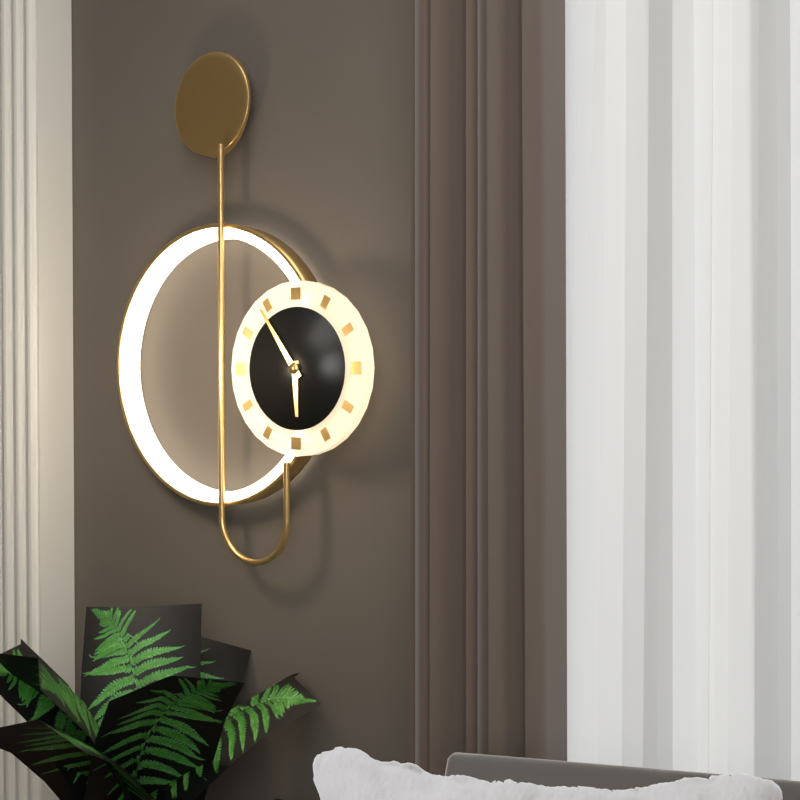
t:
**5:54**
